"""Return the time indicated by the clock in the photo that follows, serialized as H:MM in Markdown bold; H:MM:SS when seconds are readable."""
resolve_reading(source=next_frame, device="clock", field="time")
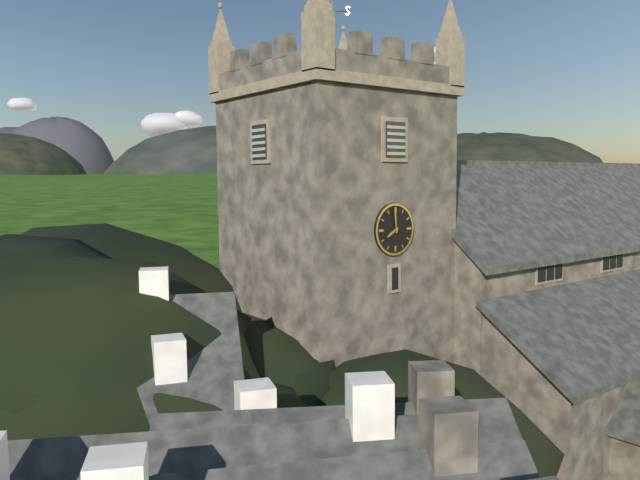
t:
**7:59**
